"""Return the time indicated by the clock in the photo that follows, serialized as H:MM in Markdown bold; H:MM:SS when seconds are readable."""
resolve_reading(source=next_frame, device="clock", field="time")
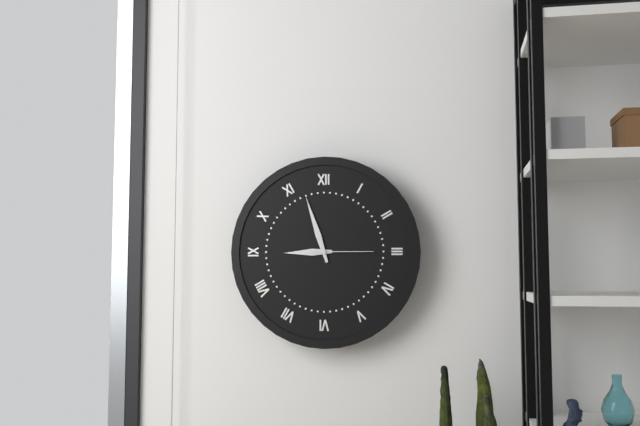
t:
**8:57:15**
